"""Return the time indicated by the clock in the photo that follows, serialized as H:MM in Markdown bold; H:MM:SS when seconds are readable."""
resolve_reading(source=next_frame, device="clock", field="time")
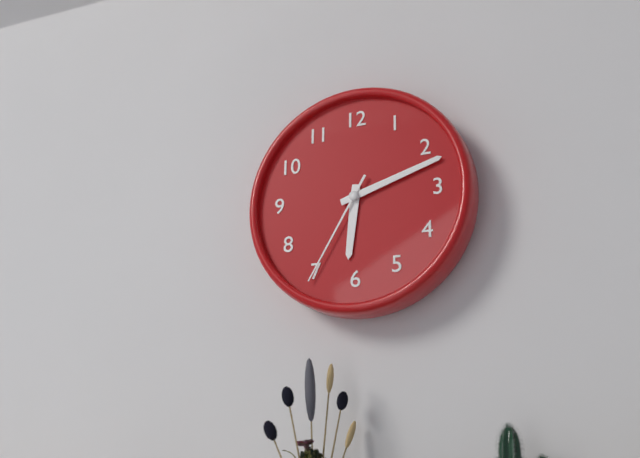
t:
**6:12:35**
